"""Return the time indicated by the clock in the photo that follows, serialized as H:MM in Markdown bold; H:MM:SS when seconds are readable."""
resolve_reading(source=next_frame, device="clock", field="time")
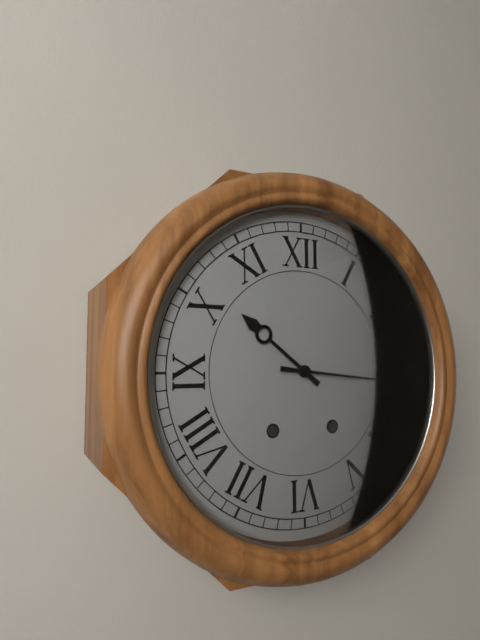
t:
**10:16**
